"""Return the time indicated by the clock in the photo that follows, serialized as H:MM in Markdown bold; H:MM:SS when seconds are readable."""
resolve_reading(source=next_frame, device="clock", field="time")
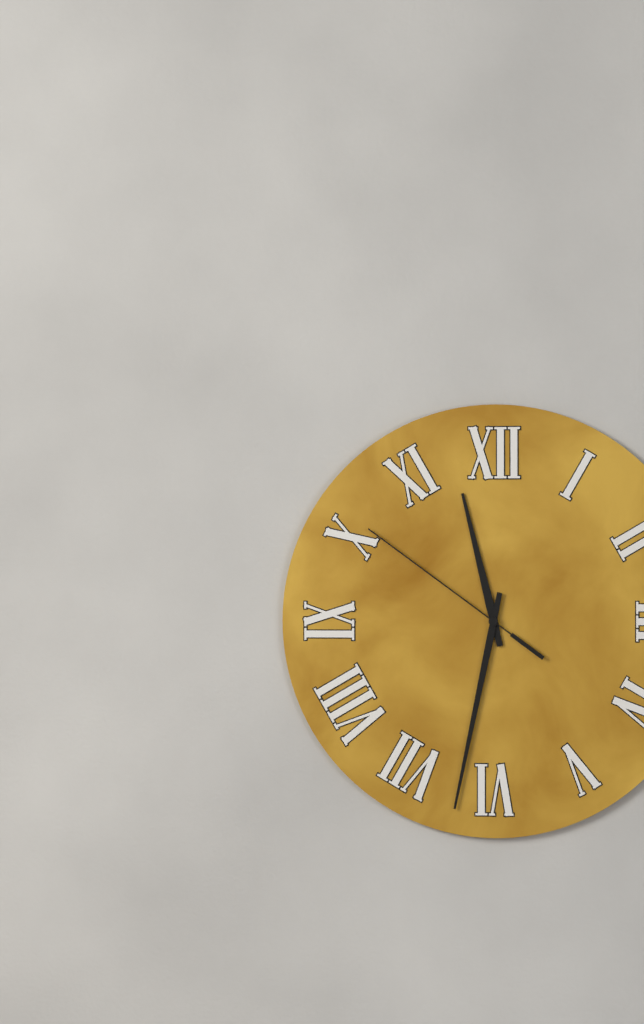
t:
**11:32:51**
